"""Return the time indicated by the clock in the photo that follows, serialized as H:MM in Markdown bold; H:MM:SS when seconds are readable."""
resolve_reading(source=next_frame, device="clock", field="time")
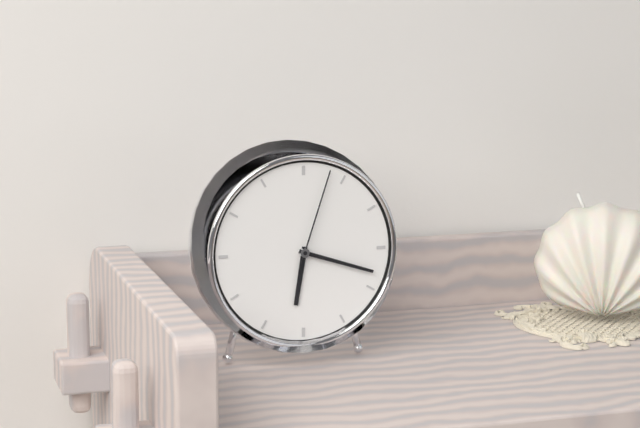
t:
**6:18:03**
